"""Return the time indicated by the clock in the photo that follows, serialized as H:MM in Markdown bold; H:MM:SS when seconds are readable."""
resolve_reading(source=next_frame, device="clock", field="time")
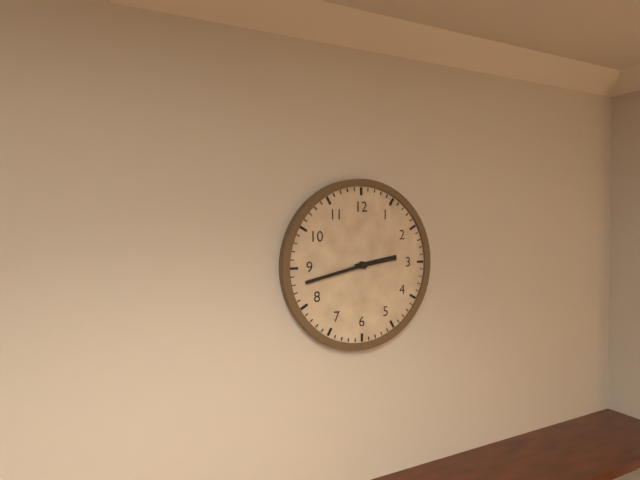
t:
**2:43**
